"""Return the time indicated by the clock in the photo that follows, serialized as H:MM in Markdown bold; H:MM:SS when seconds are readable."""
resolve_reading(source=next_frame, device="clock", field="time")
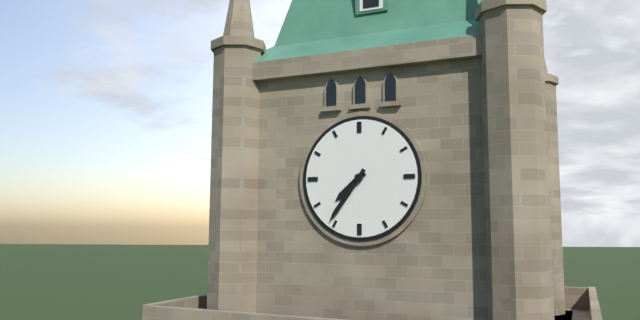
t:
**7:36**
